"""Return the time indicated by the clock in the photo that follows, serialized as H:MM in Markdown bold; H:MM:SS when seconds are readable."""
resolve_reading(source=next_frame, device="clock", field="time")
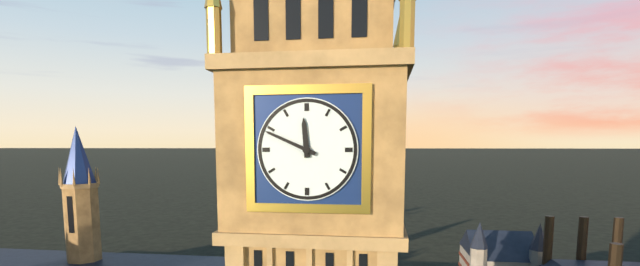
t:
**11:49**
